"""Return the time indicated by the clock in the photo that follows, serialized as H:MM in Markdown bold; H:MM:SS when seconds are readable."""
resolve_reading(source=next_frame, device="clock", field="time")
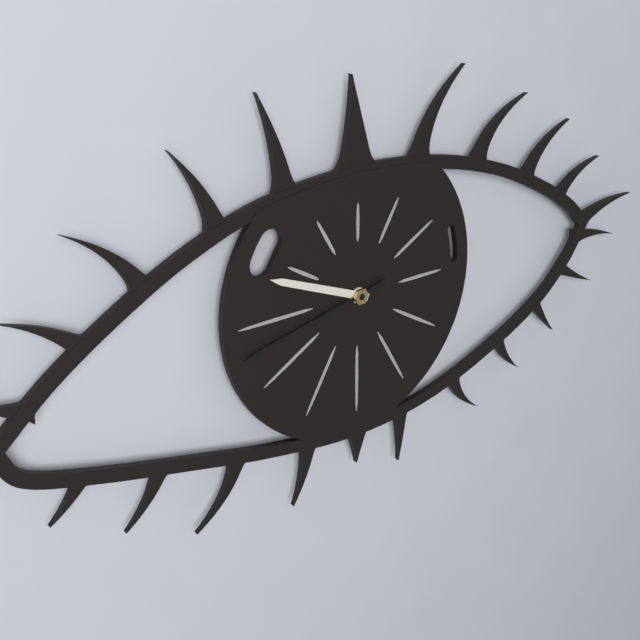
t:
**9:43**
